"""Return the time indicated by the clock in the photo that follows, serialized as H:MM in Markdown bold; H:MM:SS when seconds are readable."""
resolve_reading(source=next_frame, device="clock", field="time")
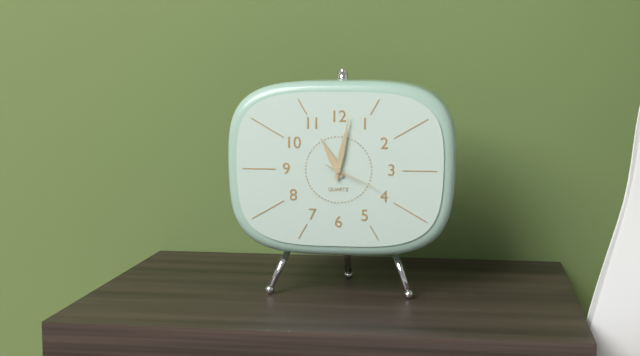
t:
**11:02:19**
